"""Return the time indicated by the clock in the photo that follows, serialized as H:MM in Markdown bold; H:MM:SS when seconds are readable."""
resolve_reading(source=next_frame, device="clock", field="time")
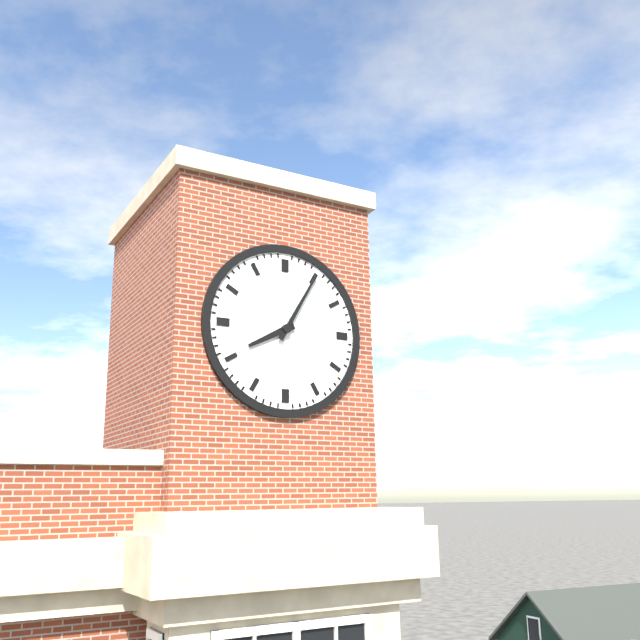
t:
**8:05**
